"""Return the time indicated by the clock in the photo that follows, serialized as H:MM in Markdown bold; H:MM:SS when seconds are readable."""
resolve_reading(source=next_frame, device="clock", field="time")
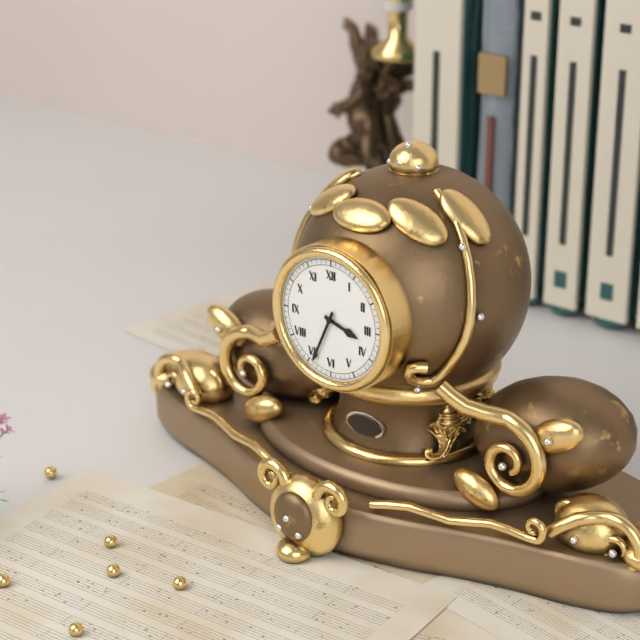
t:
**3:34**
